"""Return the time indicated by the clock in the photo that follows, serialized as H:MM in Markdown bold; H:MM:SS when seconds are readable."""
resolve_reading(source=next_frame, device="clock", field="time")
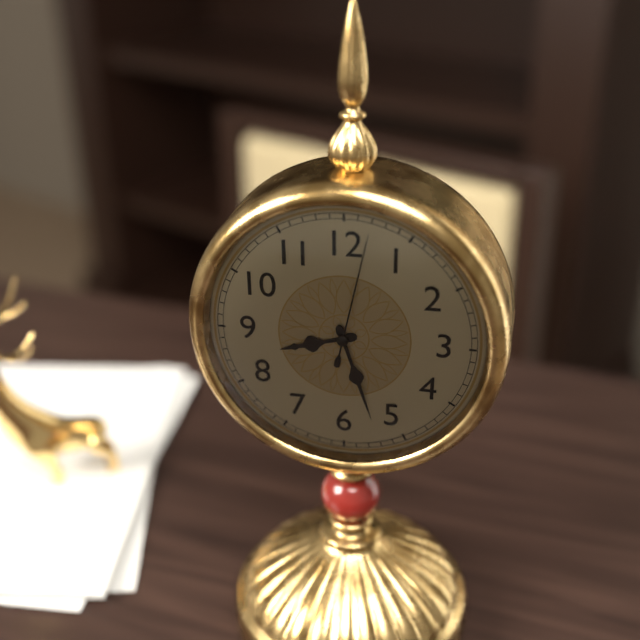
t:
**8:27:02**
